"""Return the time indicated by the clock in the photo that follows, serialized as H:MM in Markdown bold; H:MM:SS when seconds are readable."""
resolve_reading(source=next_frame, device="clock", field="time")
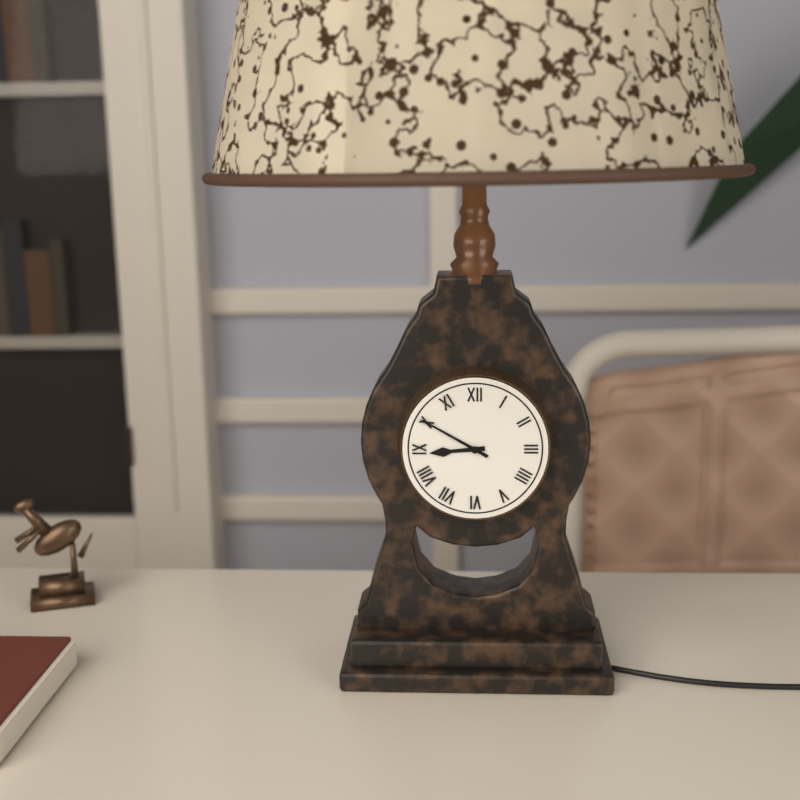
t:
**8:50**
